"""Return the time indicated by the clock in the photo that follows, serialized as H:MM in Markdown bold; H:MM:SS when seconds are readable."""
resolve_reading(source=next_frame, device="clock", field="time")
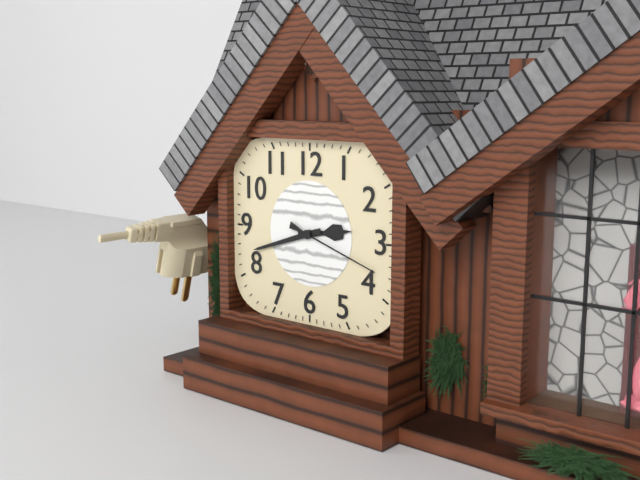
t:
**2:42:18**
